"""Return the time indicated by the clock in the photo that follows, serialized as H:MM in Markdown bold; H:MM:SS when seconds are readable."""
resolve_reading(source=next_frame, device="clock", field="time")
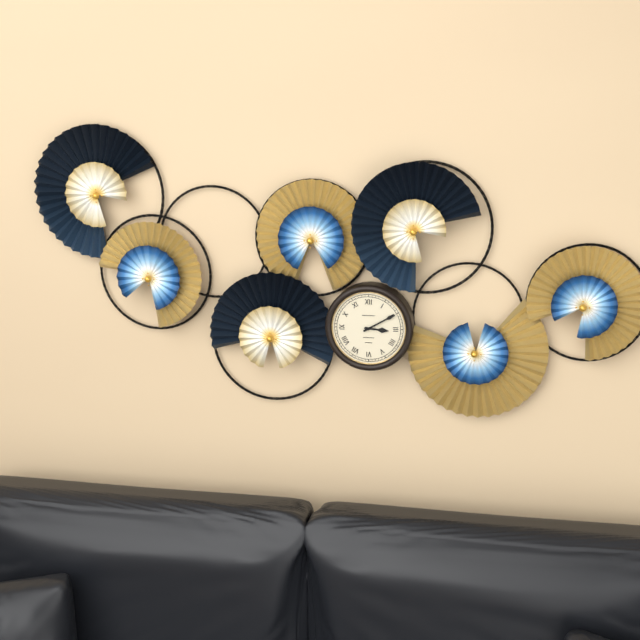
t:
**3:10**
